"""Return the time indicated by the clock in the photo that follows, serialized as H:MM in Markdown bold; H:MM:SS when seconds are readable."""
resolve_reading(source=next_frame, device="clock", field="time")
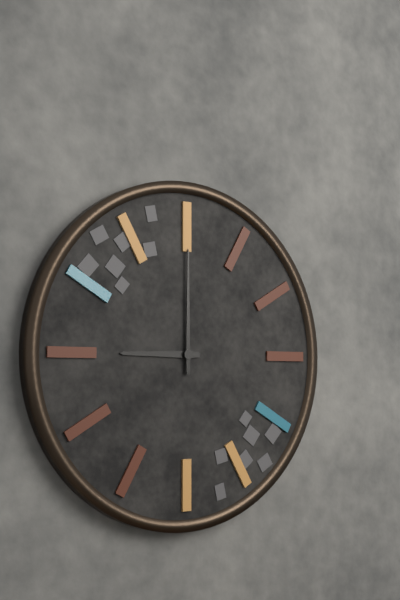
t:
**9:00**
